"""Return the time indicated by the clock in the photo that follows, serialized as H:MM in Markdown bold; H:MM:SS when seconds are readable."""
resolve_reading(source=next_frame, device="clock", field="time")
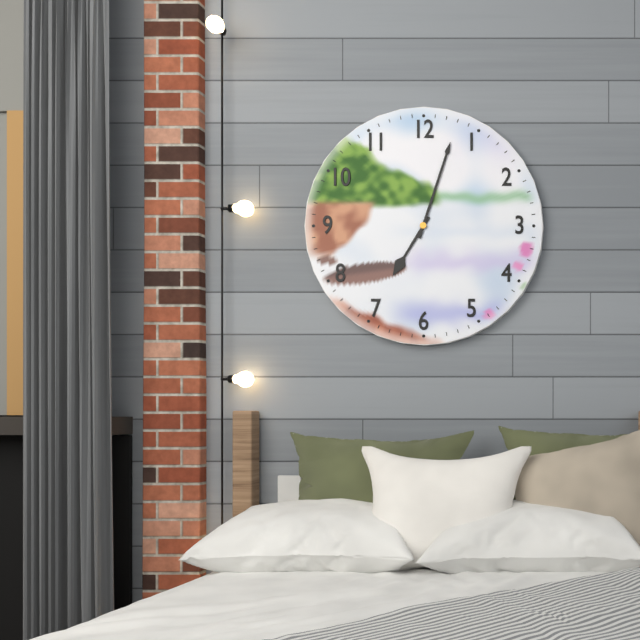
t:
**7:03**
